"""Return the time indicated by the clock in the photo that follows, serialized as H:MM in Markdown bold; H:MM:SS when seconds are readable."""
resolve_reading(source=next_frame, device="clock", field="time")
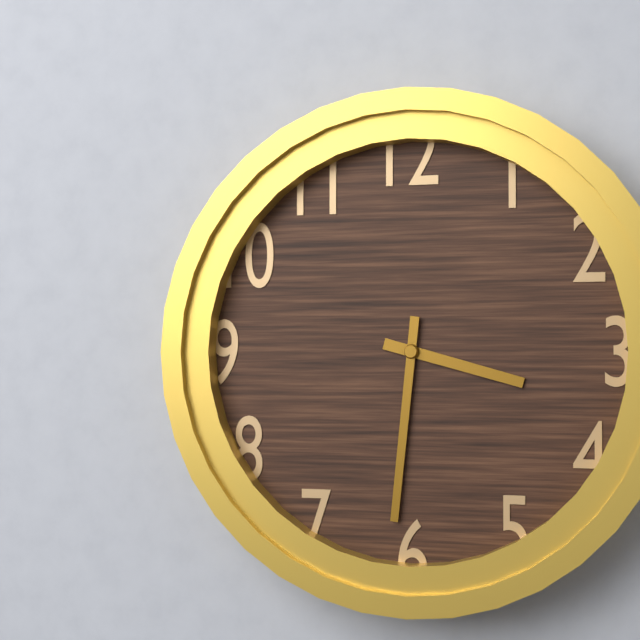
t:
**3:31**
